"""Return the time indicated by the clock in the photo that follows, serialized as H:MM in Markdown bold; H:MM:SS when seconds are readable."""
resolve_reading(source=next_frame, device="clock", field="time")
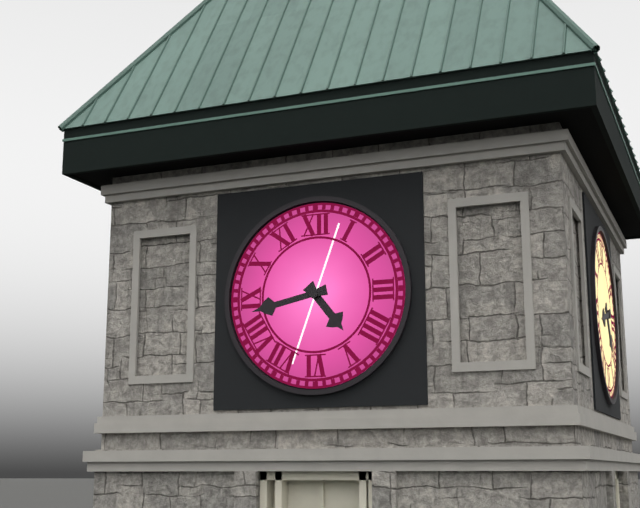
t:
**4:43**
